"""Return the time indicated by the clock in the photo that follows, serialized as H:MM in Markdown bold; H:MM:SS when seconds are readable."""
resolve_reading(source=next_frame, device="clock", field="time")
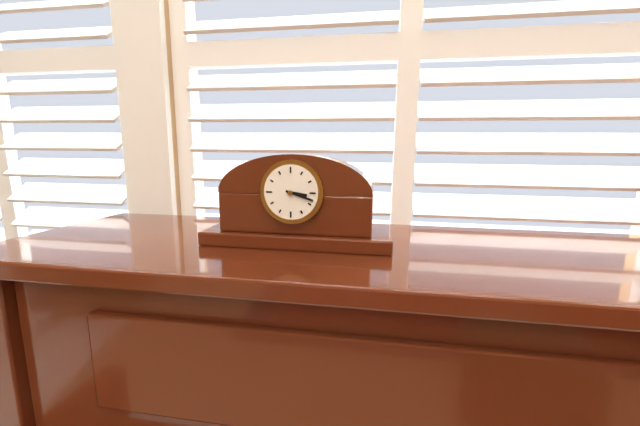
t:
**3:18**
